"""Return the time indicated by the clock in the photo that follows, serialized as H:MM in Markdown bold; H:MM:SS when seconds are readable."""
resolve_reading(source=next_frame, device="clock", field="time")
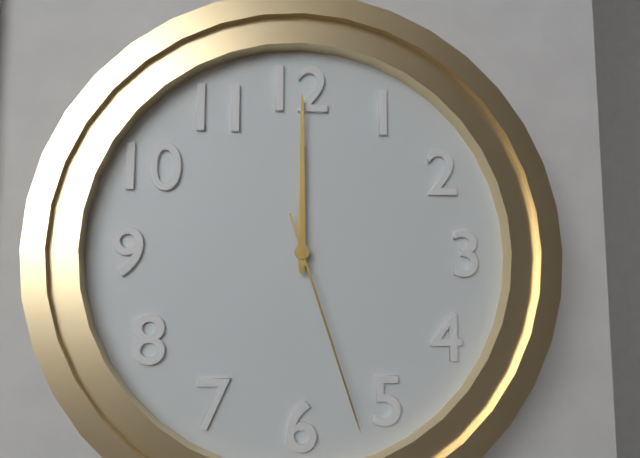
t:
**12:00:27**
